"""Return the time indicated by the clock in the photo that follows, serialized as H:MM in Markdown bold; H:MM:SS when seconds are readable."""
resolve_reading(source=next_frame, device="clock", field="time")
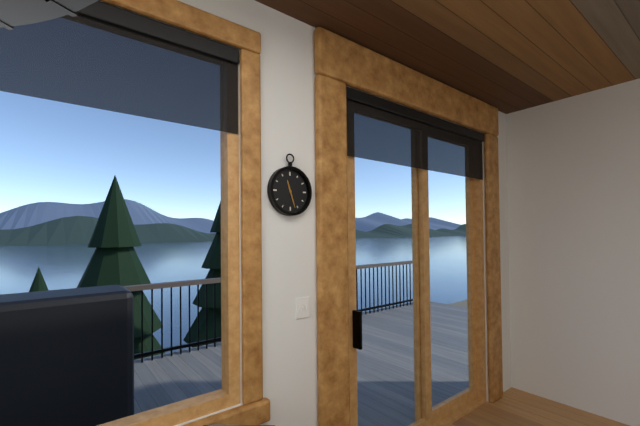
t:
**11:27**
